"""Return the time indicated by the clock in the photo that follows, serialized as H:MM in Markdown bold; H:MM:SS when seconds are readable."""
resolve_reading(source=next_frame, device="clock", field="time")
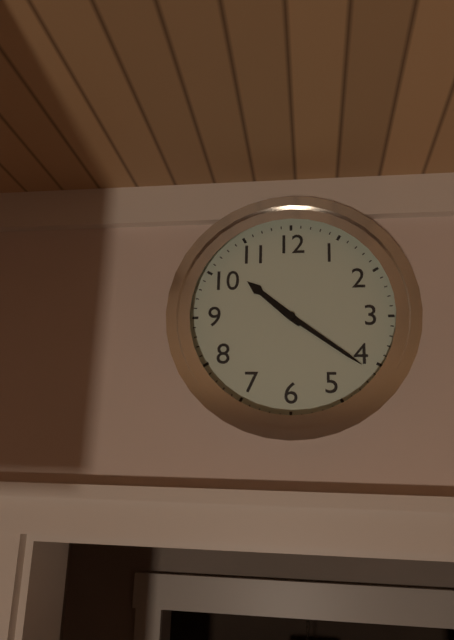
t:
**10:21**
